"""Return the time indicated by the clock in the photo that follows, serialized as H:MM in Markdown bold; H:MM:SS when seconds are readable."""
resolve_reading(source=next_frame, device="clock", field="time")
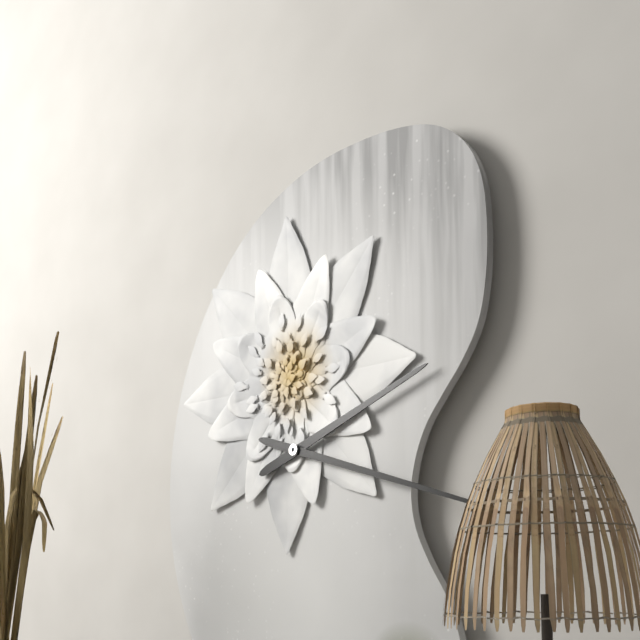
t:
**2:18**
